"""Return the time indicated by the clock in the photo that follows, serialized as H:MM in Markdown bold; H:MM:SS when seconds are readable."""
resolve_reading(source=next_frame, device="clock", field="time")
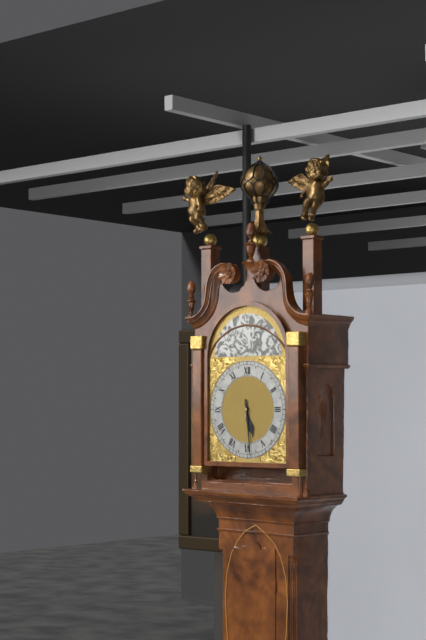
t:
**5:29**
